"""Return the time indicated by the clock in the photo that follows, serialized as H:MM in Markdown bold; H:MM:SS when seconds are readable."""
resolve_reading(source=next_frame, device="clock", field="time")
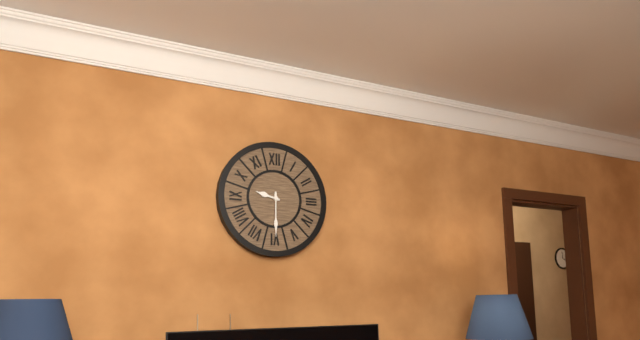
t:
**9:30**
